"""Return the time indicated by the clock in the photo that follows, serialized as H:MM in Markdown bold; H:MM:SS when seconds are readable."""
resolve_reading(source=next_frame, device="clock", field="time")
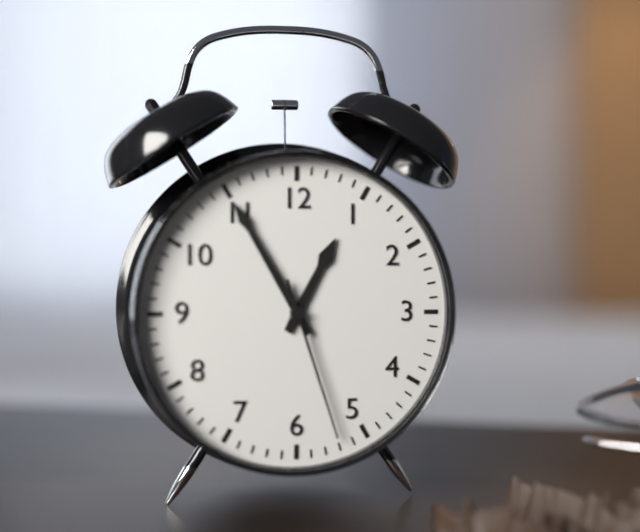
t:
**12:55:27**
